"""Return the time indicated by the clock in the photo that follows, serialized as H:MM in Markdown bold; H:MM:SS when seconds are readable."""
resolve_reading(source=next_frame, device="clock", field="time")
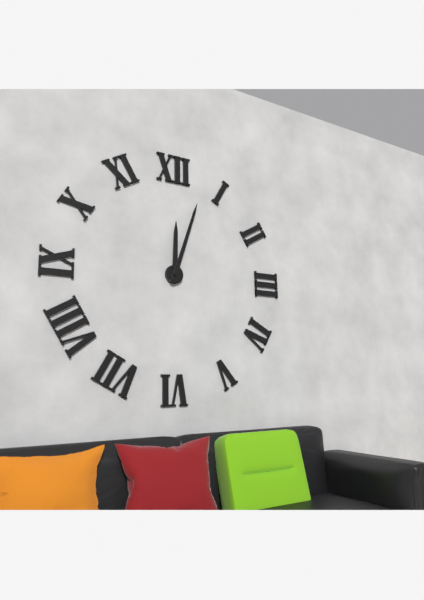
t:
**12:03**
